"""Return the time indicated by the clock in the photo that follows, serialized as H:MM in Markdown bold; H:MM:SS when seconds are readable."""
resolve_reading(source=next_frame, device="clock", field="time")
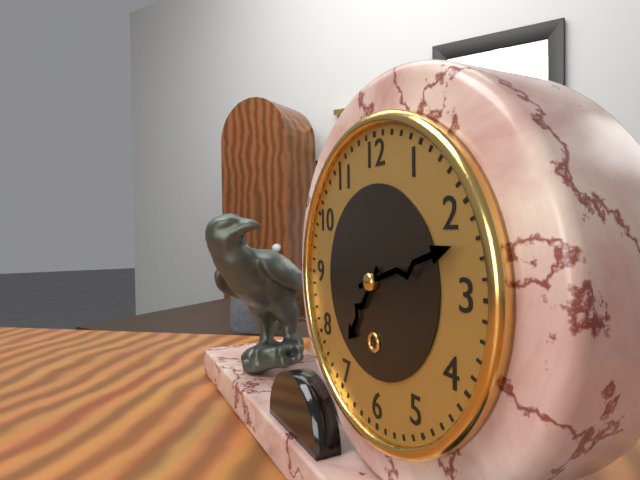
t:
**7:12**
